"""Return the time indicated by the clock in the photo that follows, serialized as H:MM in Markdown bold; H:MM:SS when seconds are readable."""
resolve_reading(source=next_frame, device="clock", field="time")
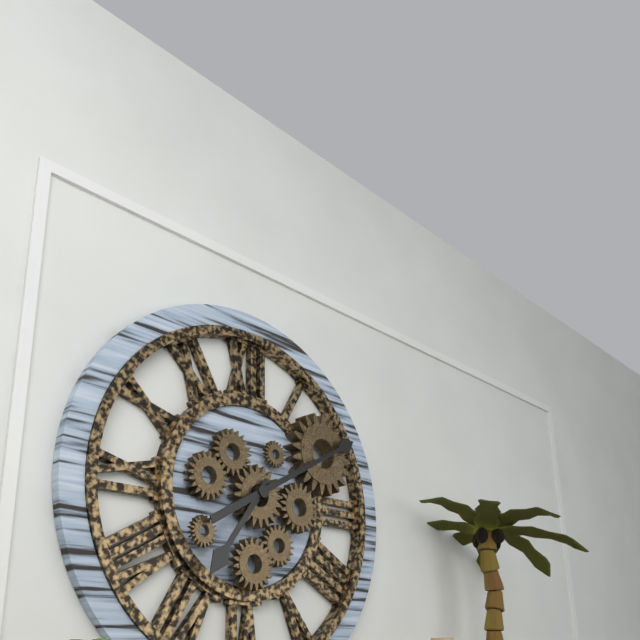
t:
**7:10**
